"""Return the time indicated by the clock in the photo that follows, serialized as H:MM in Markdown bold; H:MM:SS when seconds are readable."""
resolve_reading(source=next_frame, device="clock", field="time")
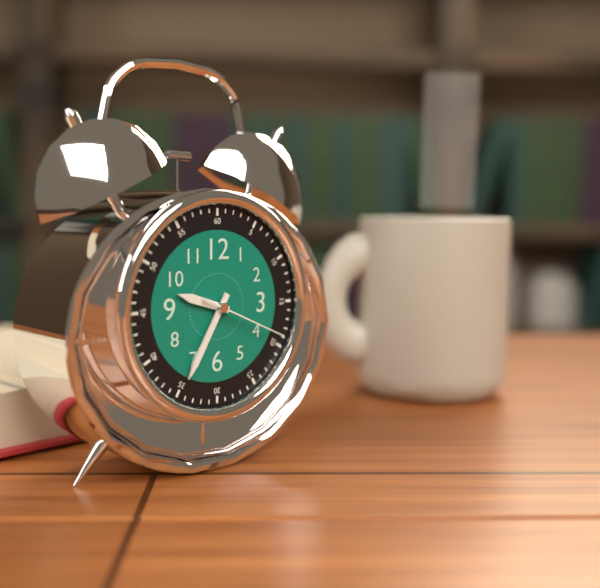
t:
**9:35:19**
